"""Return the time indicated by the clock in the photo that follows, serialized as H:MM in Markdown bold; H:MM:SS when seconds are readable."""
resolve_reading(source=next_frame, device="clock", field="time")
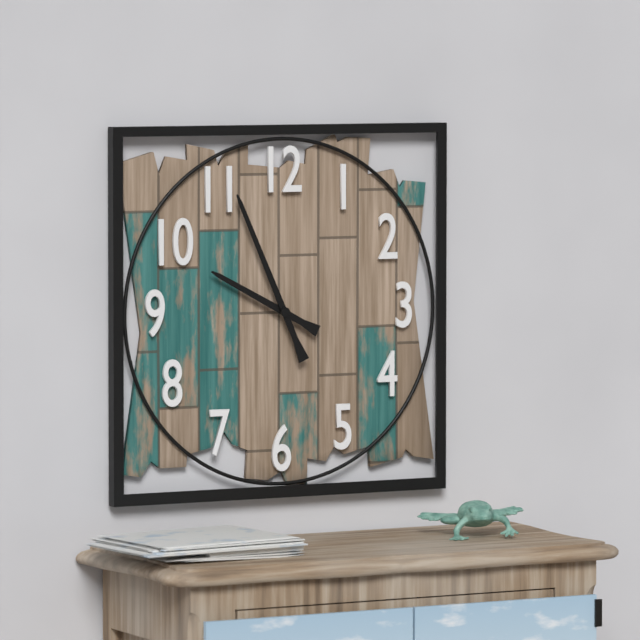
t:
**9:56**
